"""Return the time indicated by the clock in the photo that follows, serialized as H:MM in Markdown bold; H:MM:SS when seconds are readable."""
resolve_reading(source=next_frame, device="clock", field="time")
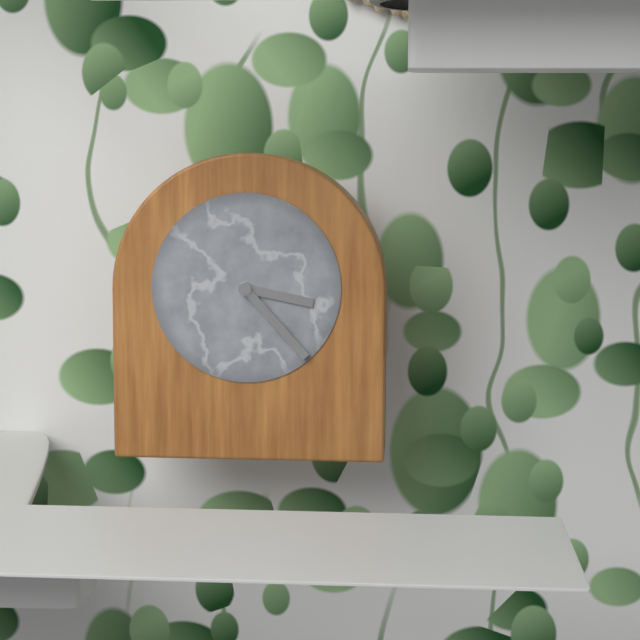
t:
**3:23**
